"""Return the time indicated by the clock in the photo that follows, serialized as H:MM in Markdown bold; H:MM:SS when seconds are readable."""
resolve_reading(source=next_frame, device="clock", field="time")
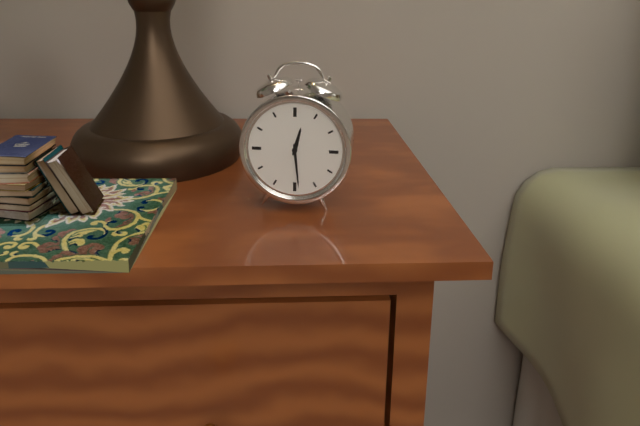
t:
**12:29**
